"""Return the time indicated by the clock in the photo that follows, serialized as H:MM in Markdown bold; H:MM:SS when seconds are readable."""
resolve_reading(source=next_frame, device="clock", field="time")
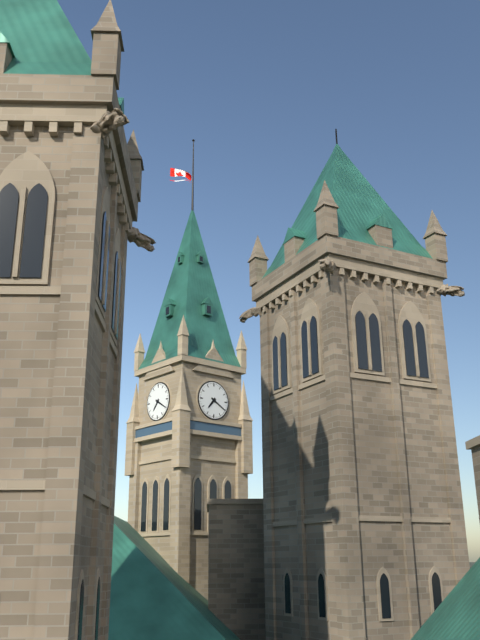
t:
**7:20**
